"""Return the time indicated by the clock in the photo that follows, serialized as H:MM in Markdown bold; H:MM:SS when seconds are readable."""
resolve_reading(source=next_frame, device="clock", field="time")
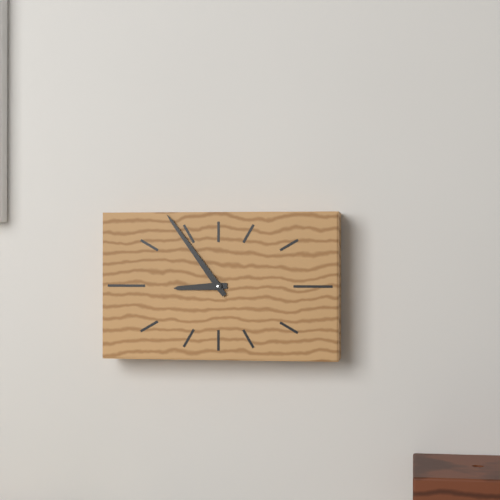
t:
**8:54**
